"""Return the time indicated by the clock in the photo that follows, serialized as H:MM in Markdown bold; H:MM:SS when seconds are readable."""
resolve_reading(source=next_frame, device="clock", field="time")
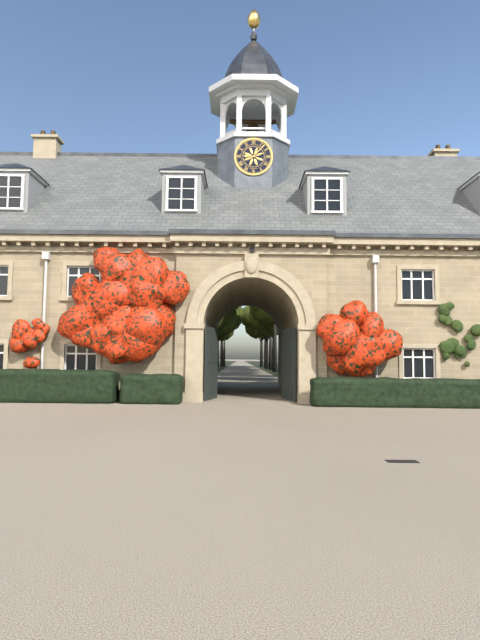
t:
**9:07**
